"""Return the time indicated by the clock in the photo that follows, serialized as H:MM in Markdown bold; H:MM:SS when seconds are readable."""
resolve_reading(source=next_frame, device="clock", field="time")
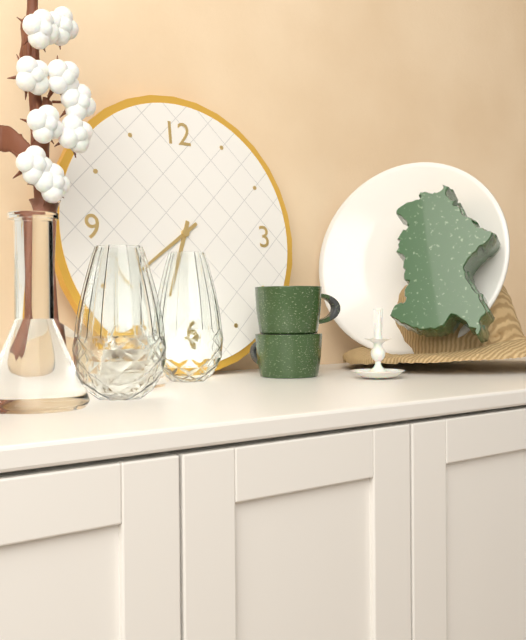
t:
**6:39**
